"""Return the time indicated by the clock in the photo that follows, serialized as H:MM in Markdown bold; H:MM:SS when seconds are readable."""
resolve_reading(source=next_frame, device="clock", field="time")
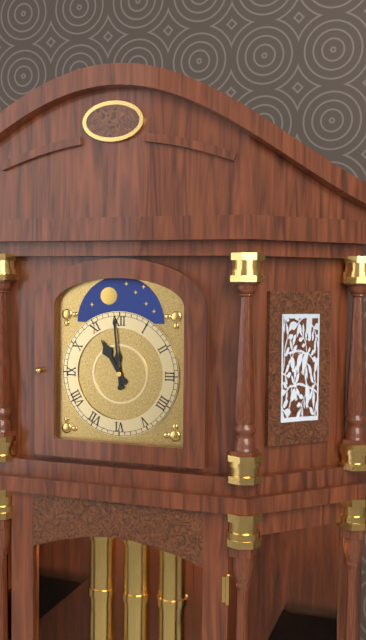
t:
**10:59**
